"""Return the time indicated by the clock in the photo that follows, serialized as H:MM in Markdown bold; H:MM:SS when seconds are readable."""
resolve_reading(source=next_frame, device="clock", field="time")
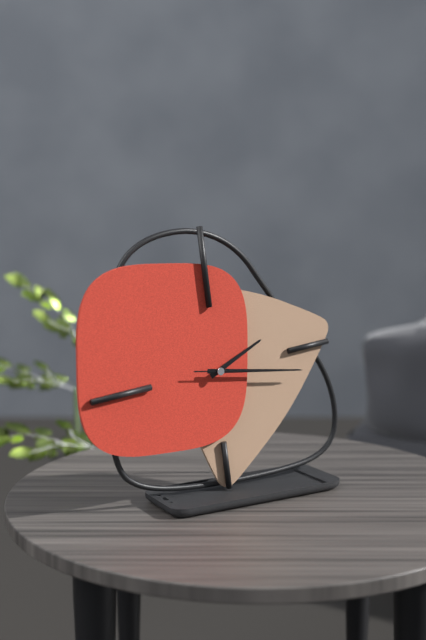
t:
**2:17:17**
